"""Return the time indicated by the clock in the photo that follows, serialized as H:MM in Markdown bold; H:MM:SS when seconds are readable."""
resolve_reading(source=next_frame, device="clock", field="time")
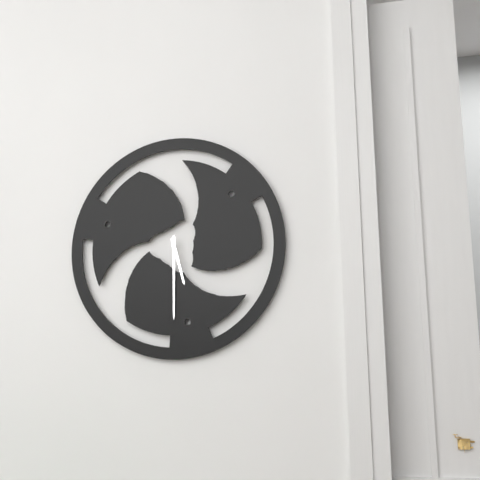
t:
**5:30**
